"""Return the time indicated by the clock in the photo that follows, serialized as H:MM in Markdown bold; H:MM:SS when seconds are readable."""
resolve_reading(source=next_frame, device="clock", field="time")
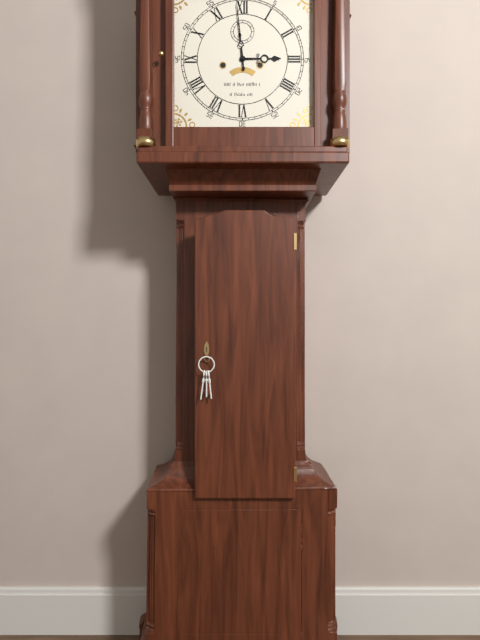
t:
**2:59**
